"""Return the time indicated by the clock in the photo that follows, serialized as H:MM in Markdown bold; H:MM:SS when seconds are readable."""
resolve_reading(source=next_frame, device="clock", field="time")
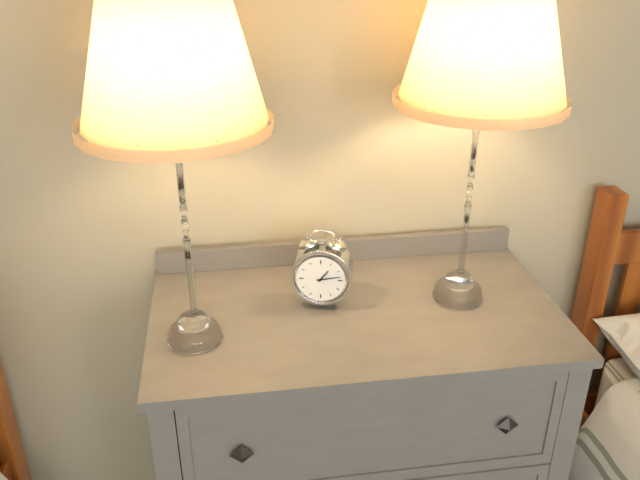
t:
**1:13**
